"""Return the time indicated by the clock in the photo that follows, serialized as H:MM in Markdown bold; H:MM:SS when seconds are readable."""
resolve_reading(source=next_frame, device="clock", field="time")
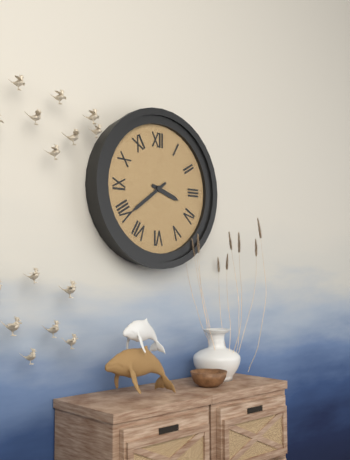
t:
**3:39**
